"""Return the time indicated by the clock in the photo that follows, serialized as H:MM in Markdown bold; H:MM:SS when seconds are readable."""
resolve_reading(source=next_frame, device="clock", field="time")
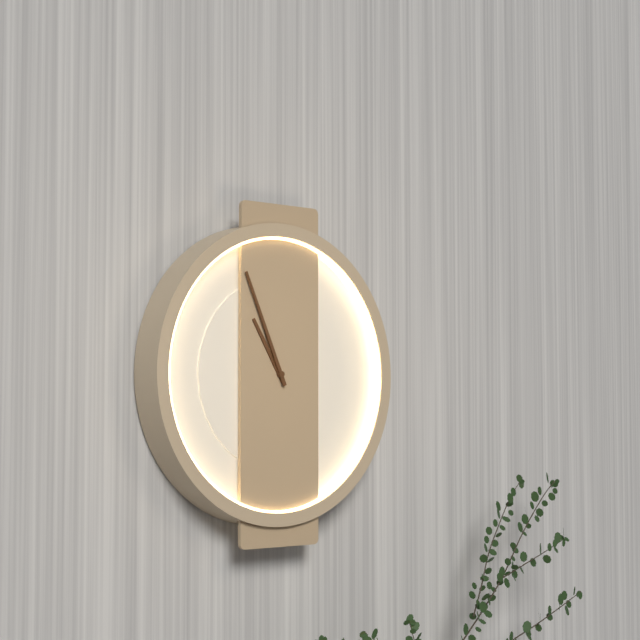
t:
**10:56**
